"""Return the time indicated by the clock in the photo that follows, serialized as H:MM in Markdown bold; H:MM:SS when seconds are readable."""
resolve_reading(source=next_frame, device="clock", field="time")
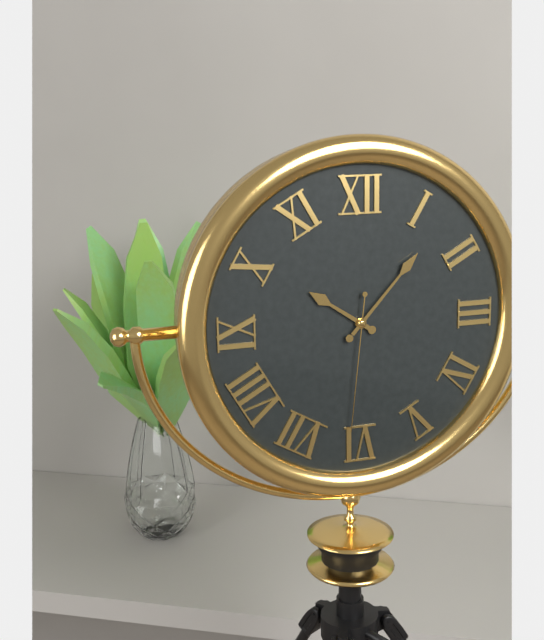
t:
**10:07:31**
